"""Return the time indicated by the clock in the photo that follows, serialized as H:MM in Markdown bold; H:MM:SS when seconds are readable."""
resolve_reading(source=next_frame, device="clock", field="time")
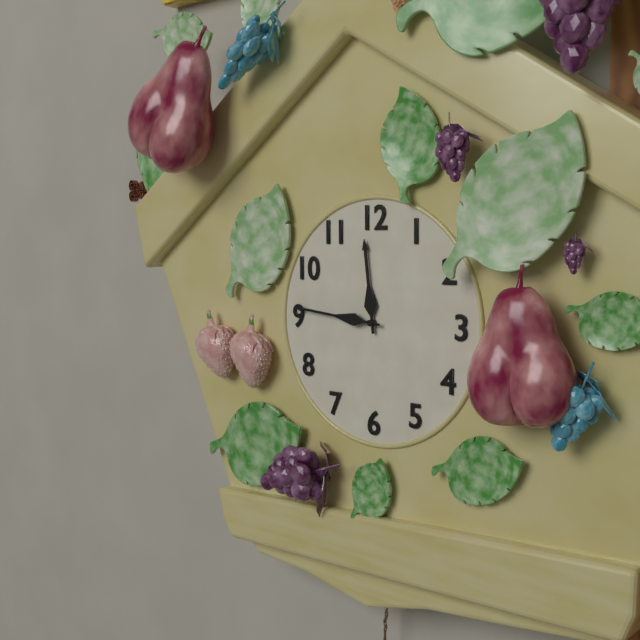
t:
**11:46**
